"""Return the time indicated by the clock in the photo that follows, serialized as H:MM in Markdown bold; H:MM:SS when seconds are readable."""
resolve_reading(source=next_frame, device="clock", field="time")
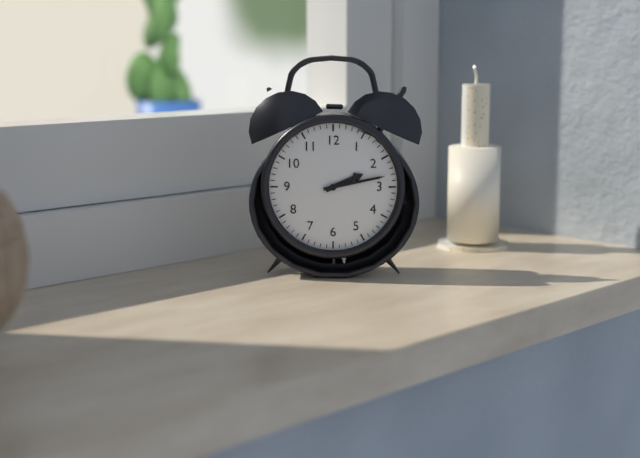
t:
**2:13**
